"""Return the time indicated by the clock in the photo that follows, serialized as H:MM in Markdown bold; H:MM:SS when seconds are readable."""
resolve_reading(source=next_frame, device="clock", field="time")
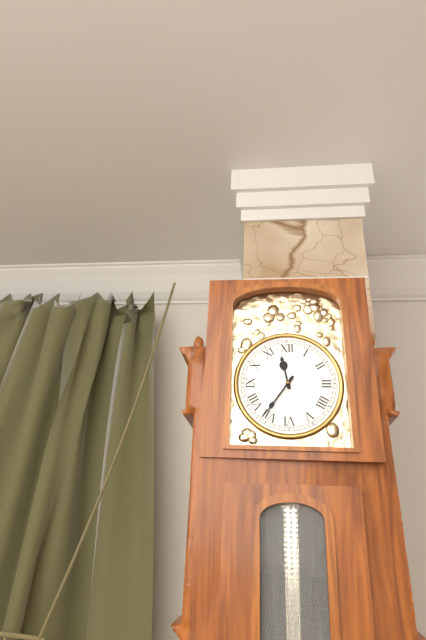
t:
**11:36**
